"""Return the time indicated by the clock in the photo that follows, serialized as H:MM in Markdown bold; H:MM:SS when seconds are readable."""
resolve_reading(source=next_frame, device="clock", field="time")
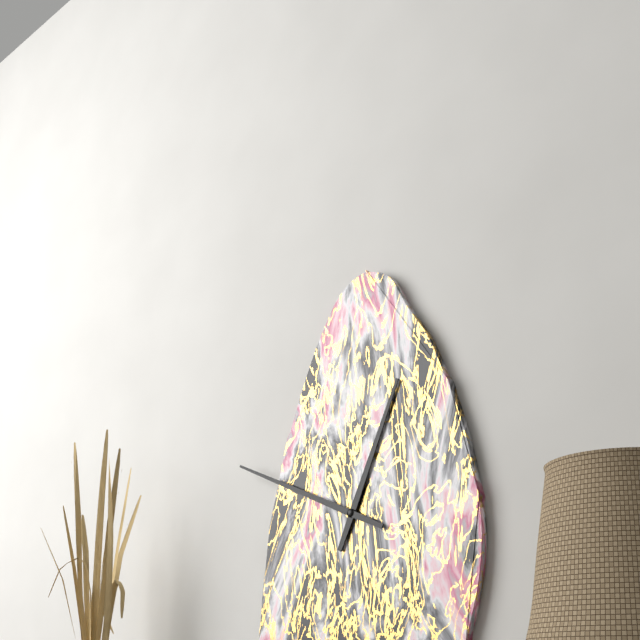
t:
**12:49**
